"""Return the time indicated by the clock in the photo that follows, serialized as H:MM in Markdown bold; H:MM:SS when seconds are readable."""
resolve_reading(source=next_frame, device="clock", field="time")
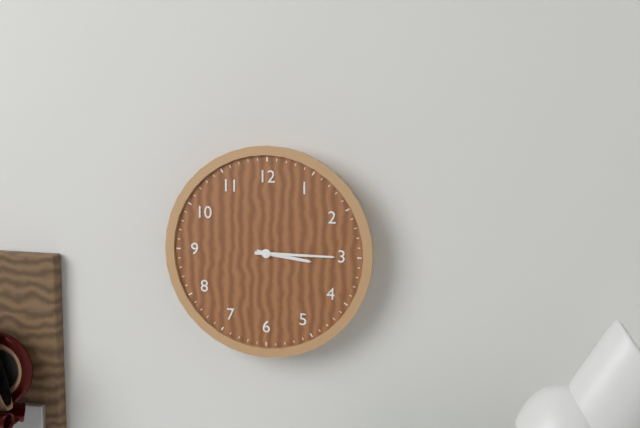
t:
**3:15**
